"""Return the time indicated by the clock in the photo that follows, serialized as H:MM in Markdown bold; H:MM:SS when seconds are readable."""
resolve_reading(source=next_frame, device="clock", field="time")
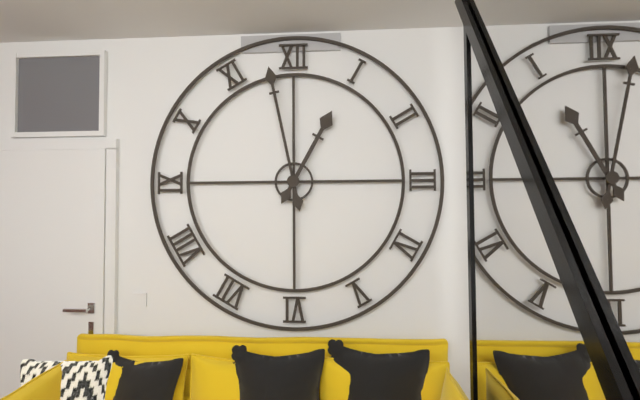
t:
**12:58**
